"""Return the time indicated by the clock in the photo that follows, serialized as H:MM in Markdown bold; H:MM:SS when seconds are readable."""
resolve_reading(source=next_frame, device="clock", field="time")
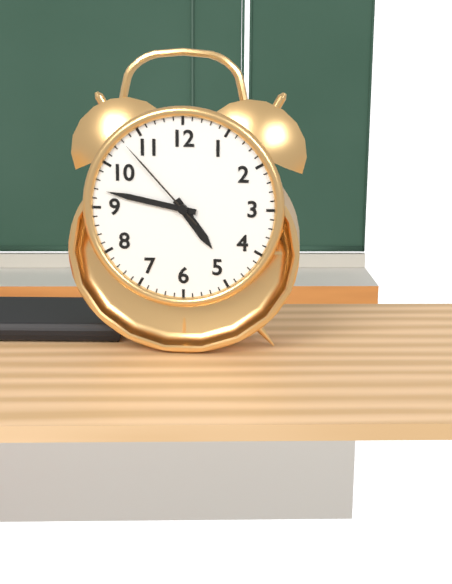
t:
**4:47:53**
